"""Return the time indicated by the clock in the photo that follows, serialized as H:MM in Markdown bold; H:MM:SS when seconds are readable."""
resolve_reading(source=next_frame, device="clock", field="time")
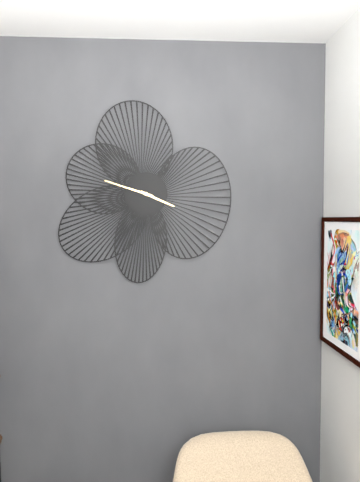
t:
**3:48**
